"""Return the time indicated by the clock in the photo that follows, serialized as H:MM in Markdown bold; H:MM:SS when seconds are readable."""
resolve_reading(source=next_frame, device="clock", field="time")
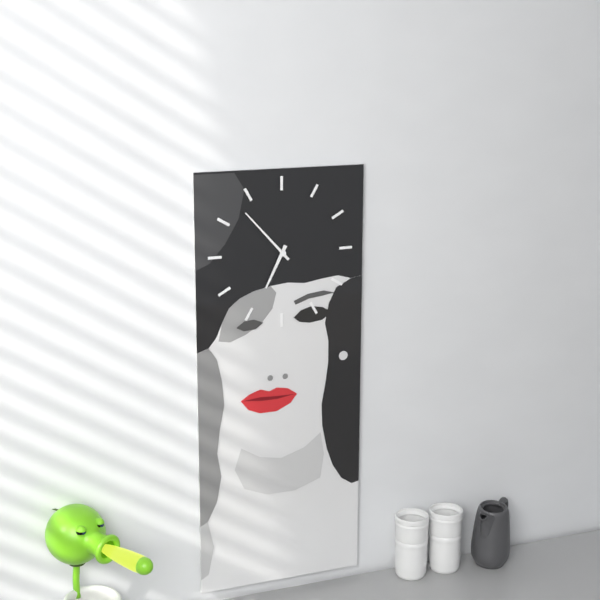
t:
**6:53**
